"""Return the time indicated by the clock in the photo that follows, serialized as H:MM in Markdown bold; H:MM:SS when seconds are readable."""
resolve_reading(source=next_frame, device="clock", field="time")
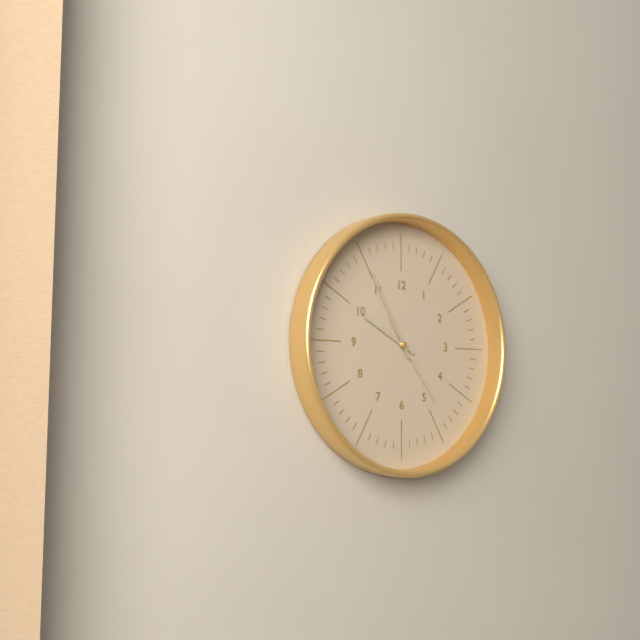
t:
**9:55:24**
